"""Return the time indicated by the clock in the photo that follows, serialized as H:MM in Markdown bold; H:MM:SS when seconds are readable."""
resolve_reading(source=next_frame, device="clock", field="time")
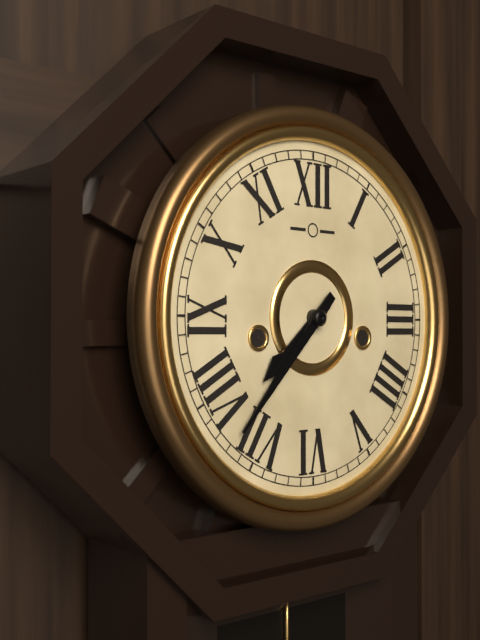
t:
**7:37**
